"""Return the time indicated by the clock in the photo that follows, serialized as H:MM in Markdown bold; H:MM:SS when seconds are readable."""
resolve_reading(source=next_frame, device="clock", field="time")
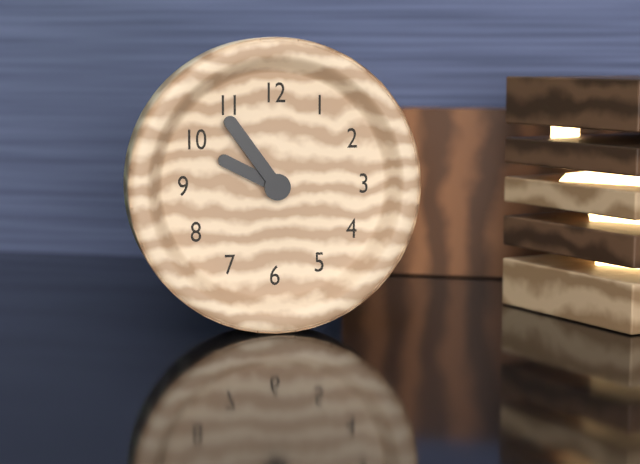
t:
**9:54**
